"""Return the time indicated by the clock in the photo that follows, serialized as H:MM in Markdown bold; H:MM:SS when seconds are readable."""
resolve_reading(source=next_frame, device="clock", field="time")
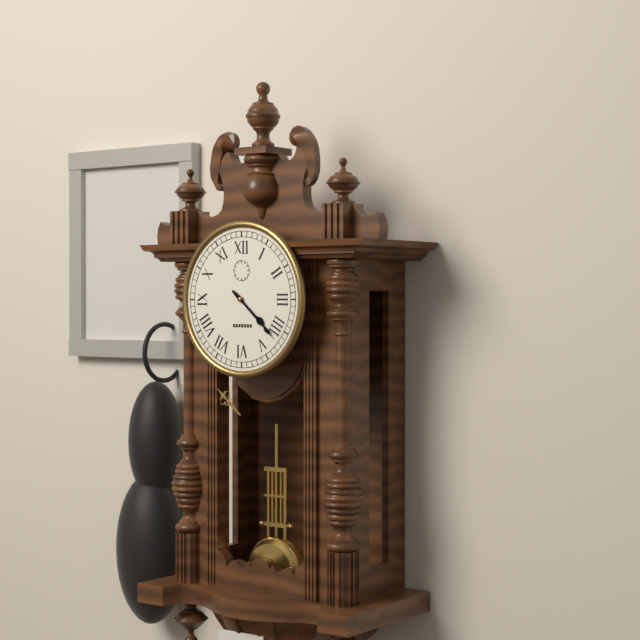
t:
**4:22**
